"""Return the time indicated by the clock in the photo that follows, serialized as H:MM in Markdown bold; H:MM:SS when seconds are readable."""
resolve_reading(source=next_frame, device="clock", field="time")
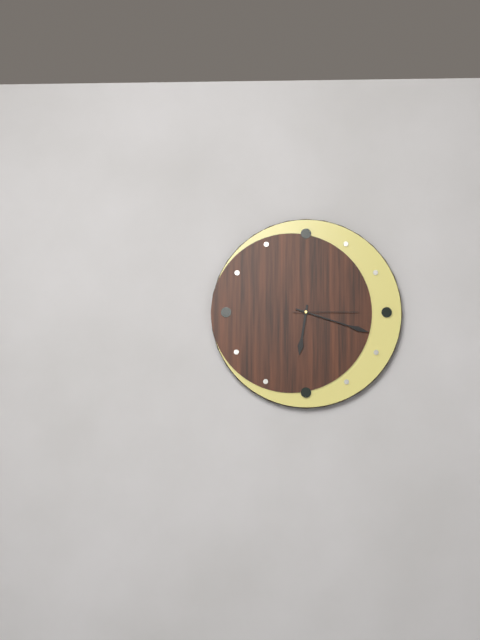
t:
**6:18:15**
